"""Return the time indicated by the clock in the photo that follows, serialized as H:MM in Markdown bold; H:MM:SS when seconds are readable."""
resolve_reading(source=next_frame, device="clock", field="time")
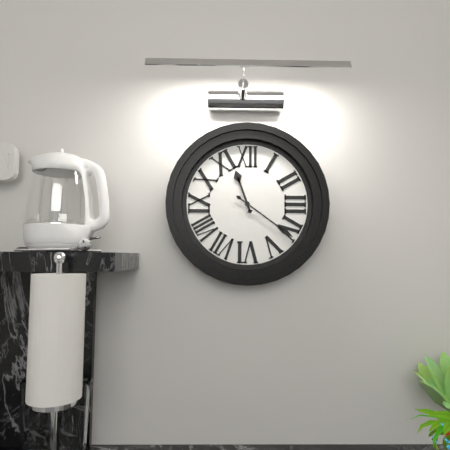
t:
**11:21**
